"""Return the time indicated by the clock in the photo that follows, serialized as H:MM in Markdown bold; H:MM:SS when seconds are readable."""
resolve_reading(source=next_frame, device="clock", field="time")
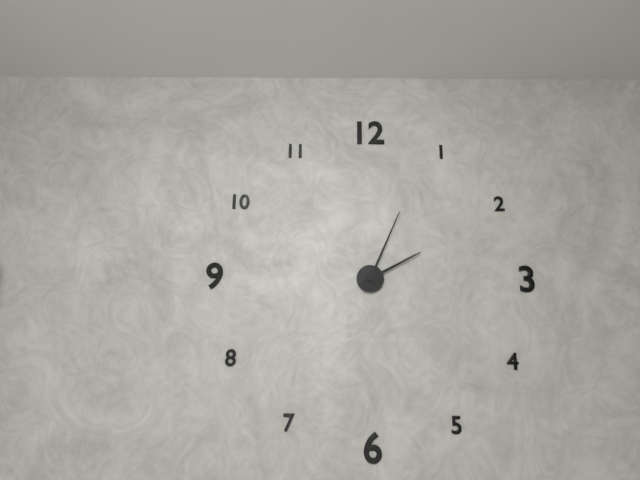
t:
**2:04**
